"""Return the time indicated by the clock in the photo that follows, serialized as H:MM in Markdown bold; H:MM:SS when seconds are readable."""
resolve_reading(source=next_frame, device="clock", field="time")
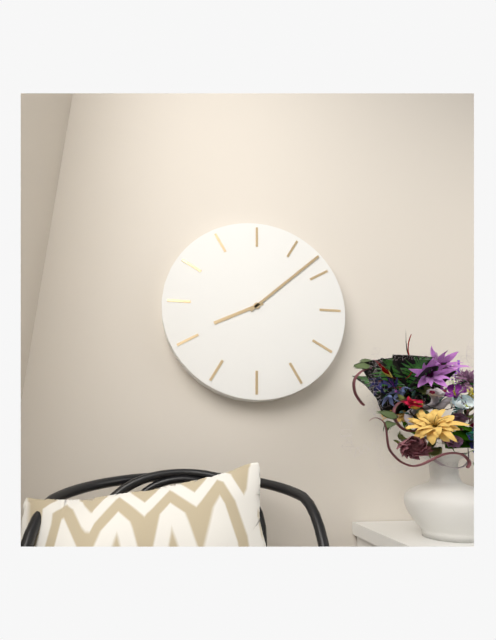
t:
**8:08**
